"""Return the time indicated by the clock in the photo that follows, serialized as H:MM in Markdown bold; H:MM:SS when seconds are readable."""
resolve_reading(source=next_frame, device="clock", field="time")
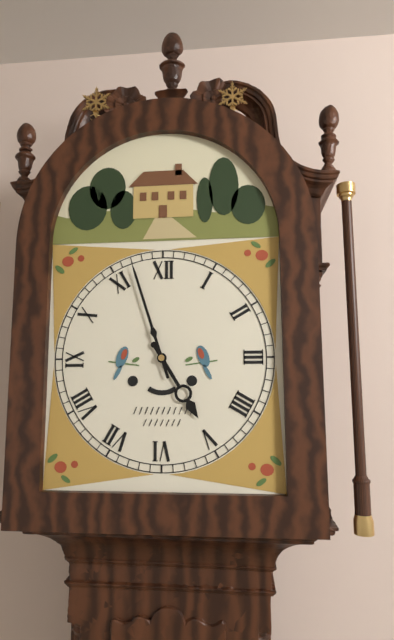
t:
**4:57**
